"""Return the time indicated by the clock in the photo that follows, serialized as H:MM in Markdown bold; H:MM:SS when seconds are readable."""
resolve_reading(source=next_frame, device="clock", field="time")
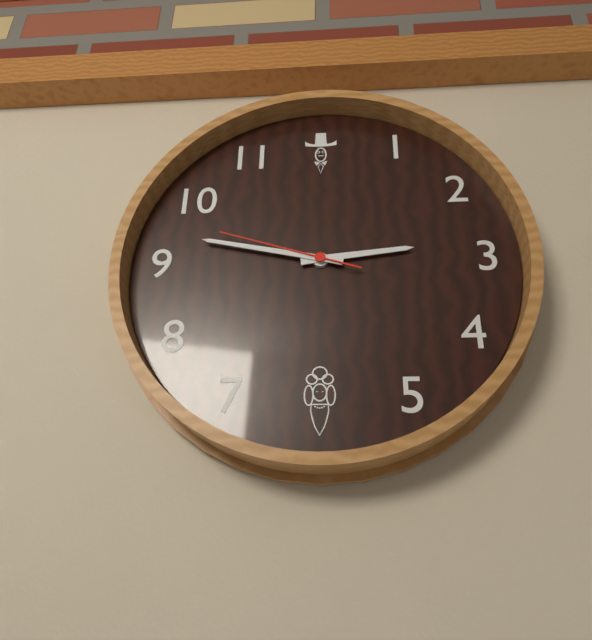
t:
**2:47:48**
